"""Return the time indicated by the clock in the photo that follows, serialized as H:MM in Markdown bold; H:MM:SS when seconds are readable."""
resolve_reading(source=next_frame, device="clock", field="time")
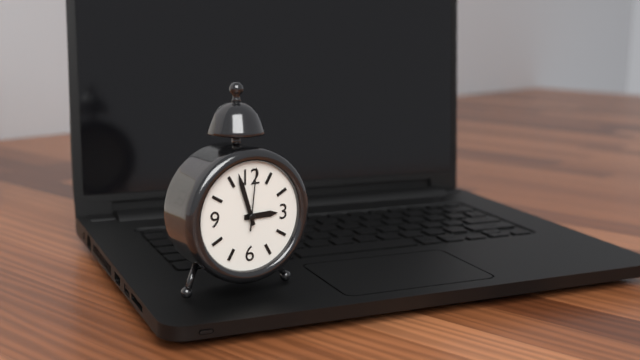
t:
**2:57:01**
